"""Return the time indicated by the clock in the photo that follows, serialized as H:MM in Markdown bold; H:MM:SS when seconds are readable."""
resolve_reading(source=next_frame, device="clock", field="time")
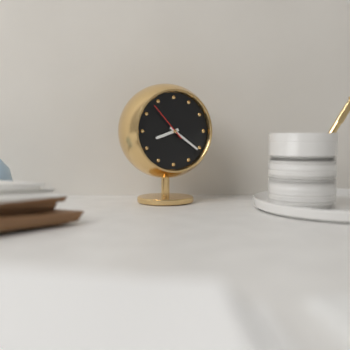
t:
**8:21**
